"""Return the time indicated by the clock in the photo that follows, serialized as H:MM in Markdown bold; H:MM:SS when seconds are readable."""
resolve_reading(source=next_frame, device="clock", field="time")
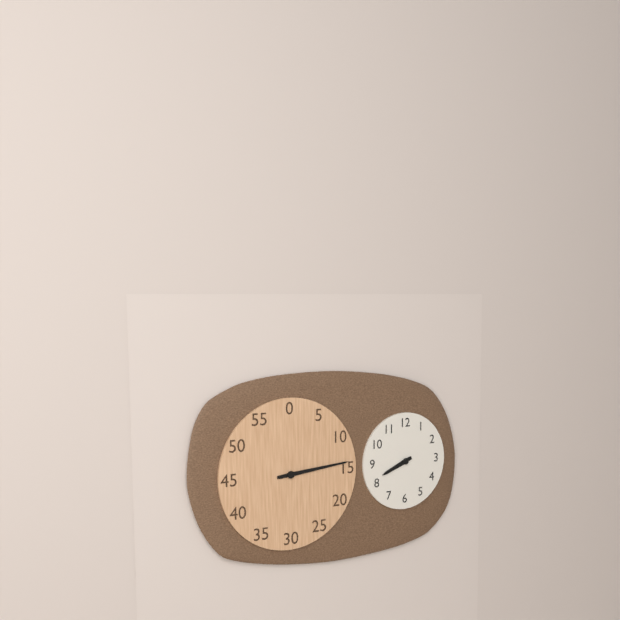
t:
**8:14**
